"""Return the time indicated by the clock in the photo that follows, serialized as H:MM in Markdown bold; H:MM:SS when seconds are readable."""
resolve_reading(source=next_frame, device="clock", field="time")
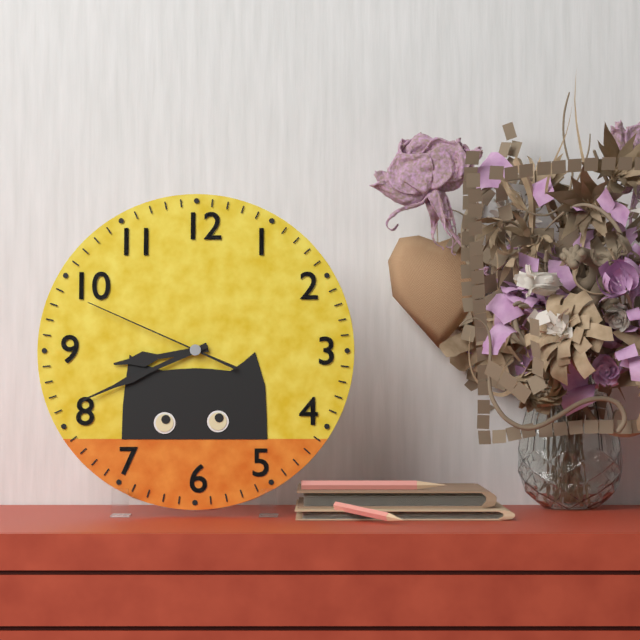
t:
**8:41:49**
